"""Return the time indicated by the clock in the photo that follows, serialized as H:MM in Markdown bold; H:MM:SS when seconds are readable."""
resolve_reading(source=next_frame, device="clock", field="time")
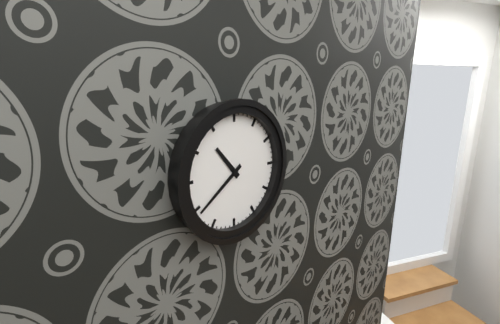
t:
**10:39**
